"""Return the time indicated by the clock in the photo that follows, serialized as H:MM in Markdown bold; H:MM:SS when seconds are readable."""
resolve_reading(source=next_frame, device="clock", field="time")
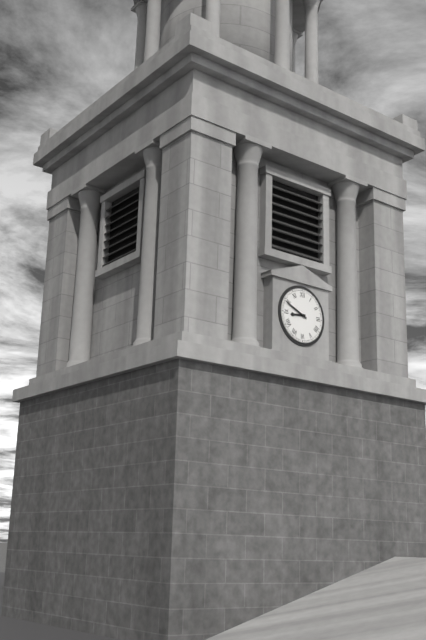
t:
**8:49**
